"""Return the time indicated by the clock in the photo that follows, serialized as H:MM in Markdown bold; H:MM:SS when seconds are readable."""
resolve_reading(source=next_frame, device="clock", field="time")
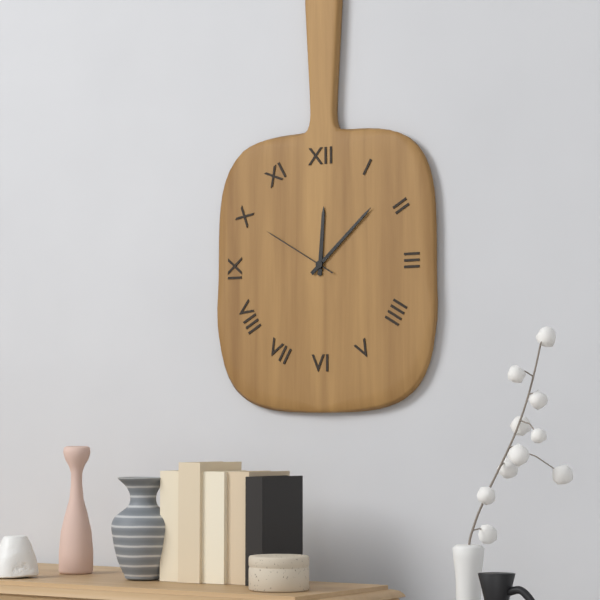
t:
**12:08:50**
